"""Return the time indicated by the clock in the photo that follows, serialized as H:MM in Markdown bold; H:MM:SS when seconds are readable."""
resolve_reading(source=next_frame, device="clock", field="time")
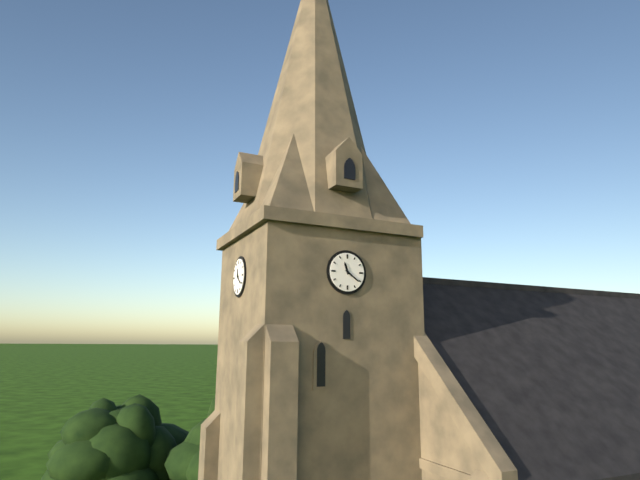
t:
**11:21**
